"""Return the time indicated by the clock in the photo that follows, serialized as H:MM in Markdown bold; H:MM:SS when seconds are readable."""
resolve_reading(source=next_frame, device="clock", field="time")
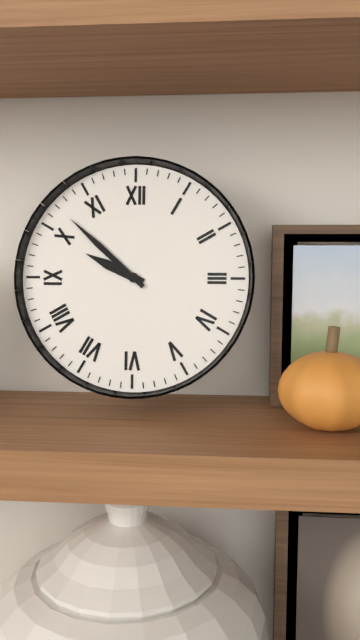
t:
**9:52**
